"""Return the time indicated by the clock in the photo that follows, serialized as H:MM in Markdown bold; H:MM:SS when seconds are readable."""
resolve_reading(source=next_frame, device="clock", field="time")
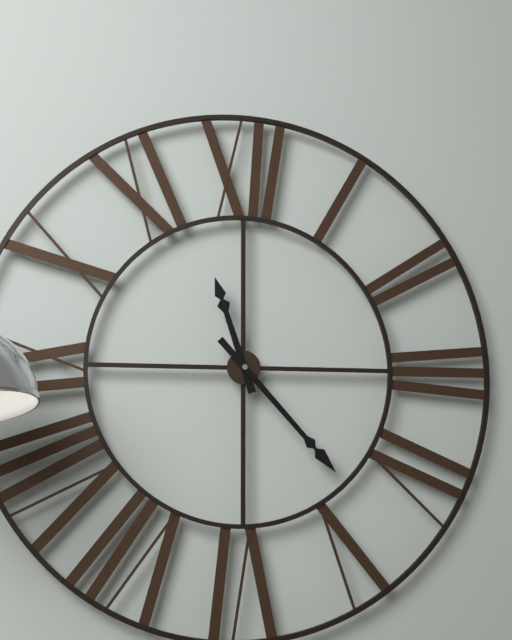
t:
**11:23**
